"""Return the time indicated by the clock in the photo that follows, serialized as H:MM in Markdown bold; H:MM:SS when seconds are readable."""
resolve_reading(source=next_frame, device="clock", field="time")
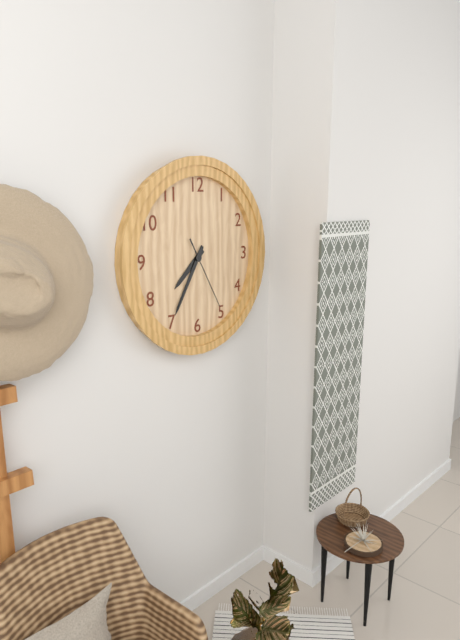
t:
**7:35:25**
